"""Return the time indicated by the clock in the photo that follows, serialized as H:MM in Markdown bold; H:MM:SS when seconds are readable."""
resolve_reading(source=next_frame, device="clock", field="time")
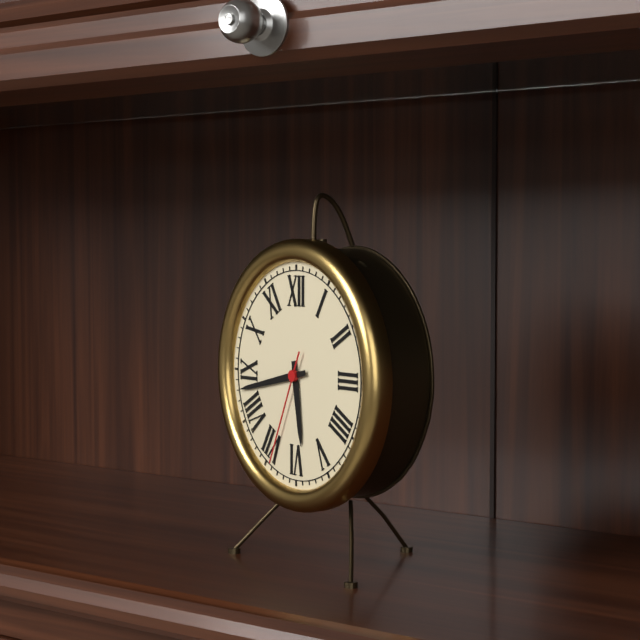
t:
**5:43:34**
